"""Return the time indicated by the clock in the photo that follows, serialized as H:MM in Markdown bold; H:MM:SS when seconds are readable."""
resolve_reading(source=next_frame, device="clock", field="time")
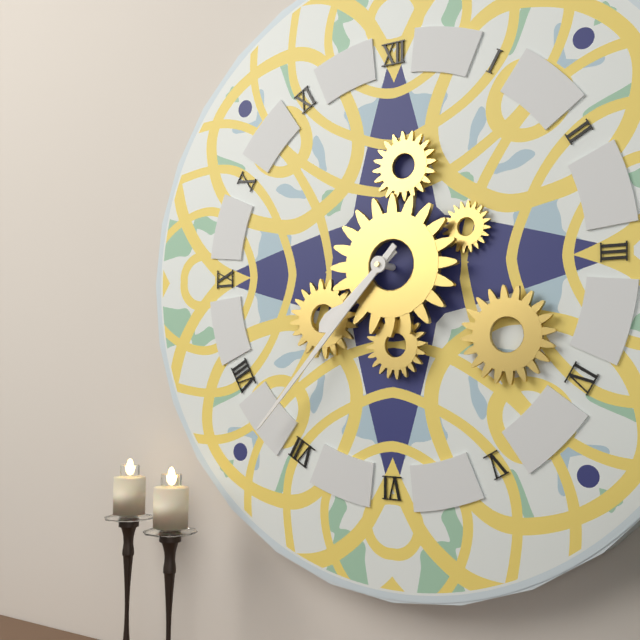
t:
**7:37**
